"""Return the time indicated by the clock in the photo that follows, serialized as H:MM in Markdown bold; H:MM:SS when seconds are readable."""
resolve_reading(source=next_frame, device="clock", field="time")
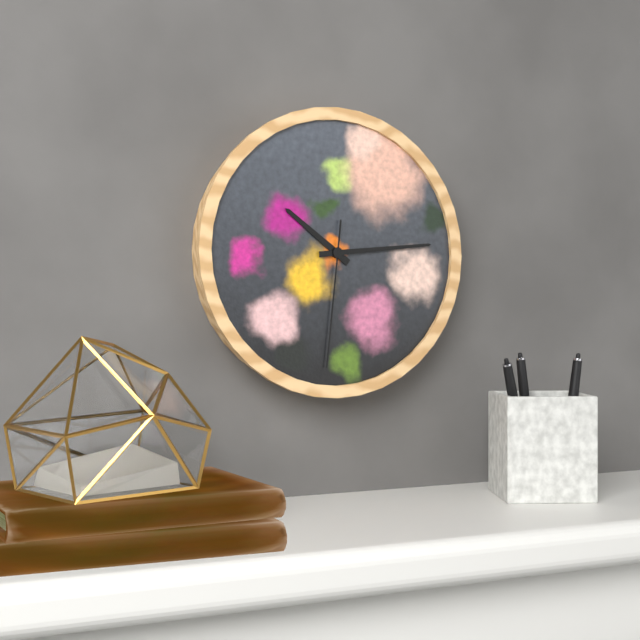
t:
**10:14:31**
